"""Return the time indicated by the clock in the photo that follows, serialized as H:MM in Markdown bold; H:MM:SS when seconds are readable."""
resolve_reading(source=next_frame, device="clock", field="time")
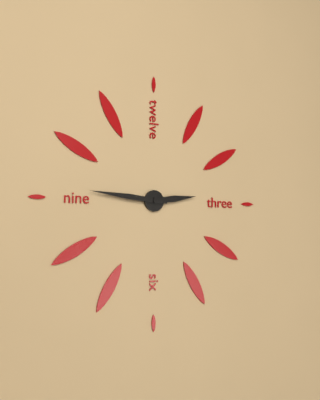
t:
**2:46**
